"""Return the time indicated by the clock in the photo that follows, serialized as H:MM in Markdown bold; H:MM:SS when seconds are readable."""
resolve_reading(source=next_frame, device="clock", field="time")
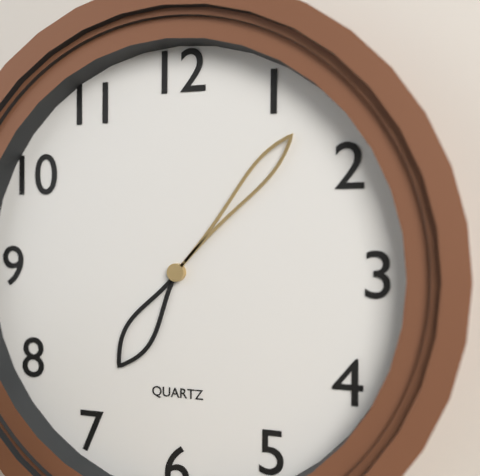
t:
**7:07**
